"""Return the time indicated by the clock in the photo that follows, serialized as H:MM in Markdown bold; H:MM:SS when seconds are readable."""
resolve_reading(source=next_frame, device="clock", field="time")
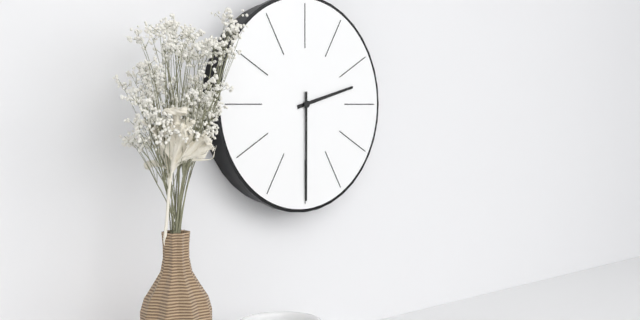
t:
**2:30**
